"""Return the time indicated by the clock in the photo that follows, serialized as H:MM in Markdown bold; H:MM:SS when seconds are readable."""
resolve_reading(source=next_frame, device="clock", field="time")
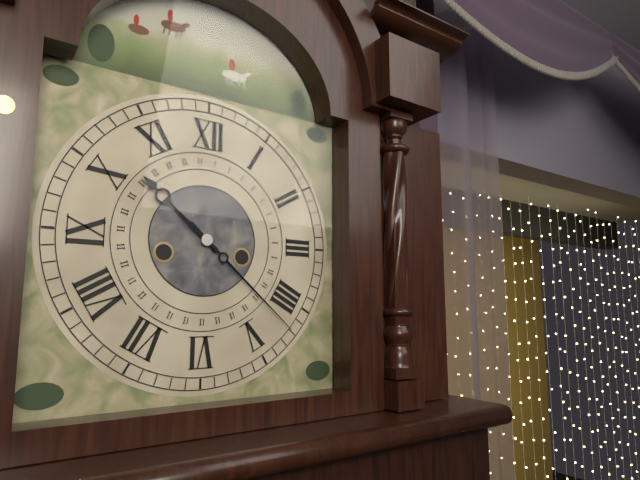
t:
**10:22**
